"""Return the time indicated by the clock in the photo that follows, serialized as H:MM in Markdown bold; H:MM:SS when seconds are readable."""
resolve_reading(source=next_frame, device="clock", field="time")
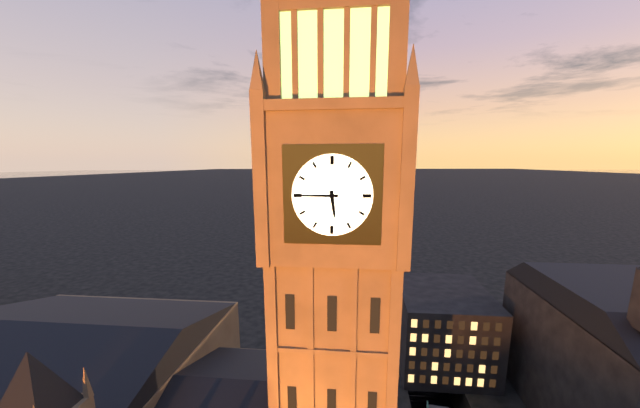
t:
**5:45**
